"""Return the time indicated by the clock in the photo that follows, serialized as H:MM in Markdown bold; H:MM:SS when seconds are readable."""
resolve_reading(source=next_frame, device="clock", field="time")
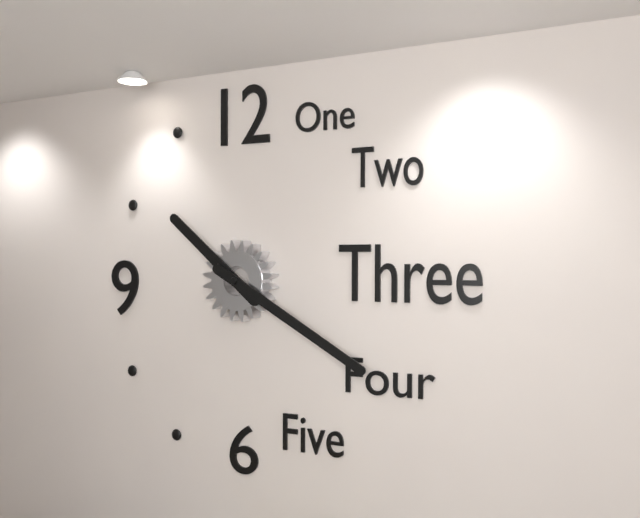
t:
**10:20**
